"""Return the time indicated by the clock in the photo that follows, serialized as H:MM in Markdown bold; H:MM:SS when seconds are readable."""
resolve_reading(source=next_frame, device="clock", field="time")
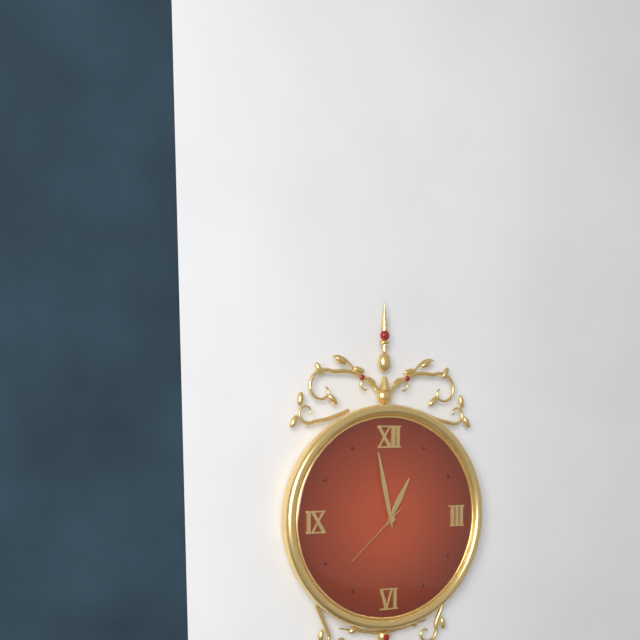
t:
**12:58:38**
